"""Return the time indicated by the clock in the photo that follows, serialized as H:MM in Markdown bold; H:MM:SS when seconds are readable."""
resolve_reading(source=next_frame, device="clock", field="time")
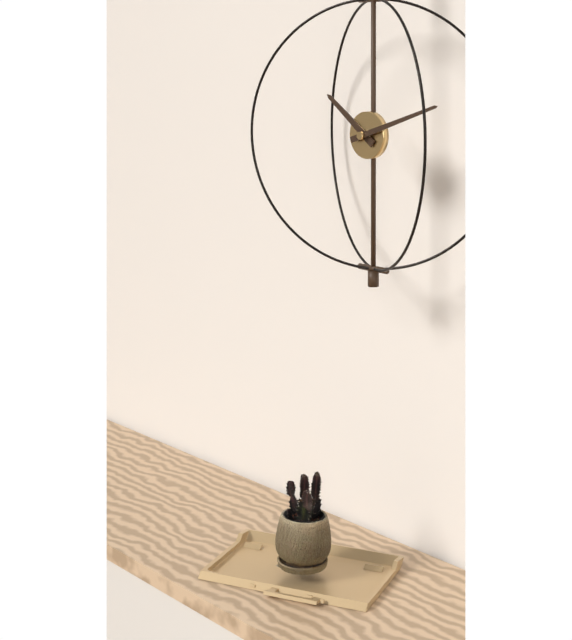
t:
**10:12**
